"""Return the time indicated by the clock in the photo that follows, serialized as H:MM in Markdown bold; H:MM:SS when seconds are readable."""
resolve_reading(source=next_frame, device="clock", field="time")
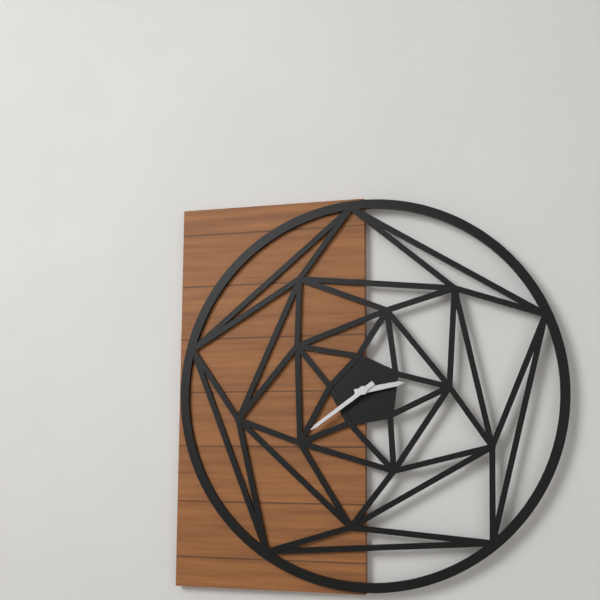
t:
**2:39**
